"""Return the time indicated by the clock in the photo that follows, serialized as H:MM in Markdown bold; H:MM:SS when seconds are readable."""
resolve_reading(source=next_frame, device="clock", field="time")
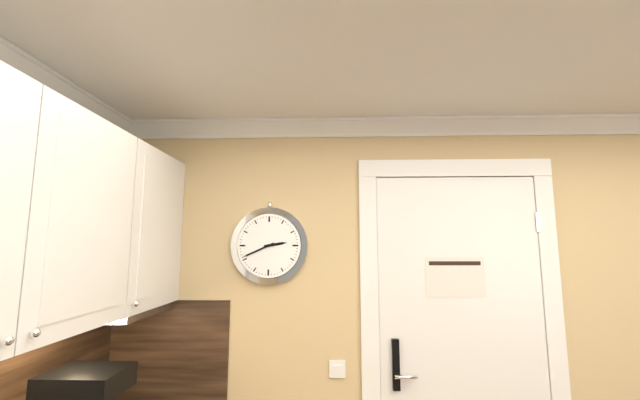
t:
**2:41**
